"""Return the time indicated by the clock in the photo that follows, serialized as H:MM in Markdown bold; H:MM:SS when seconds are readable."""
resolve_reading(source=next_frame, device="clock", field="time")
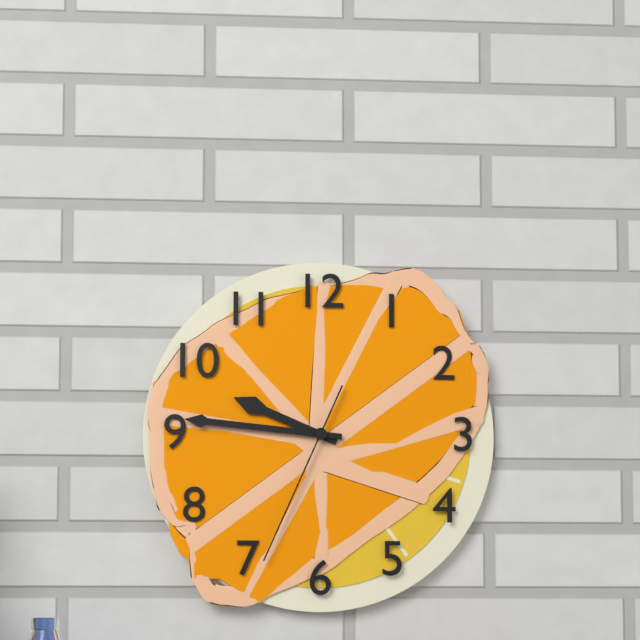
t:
**9:46:34**
